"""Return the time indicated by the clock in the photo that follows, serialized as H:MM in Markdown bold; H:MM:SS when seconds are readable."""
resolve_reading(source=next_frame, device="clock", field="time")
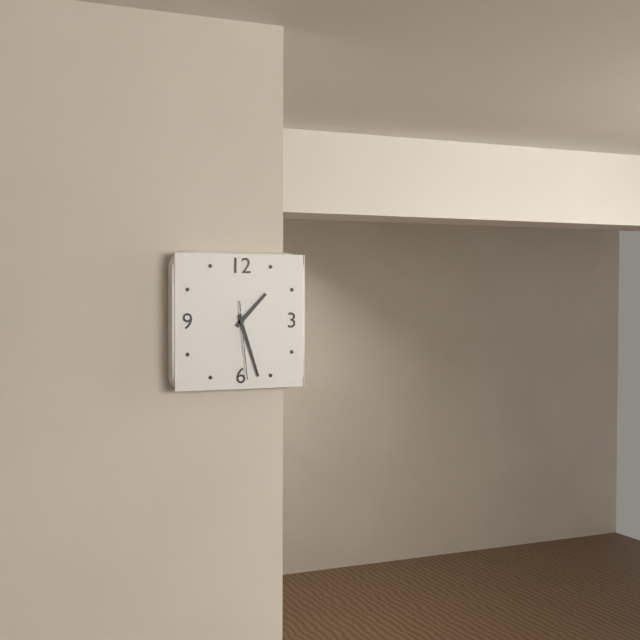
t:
**1:27:29**
